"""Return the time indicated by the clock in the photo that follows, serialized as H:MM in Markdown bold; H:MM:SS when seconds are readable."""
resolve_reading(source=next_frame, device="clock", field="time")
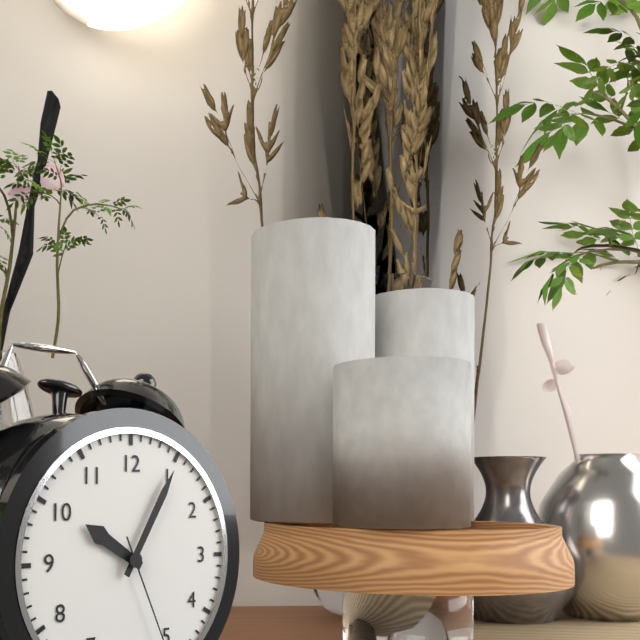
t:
**10:05**
